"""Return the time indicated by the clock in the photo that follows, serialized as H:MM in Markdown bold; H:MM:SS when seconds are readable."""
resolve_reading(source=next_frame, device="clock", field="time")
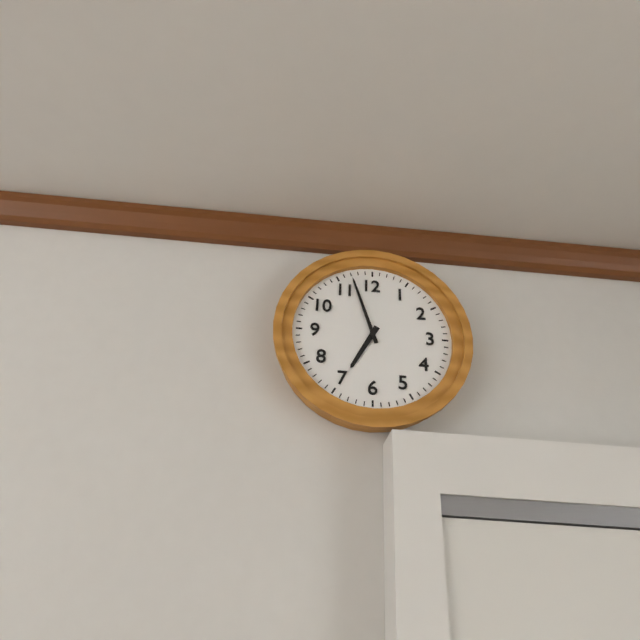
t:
**6:57**
